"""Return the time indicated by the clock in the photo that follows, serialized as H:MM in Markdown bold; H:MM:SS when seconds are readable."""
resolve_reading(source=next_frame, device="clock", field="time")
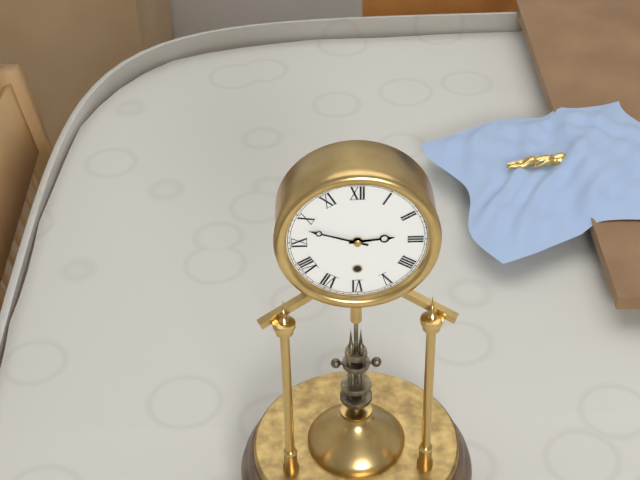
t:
**2:48**
